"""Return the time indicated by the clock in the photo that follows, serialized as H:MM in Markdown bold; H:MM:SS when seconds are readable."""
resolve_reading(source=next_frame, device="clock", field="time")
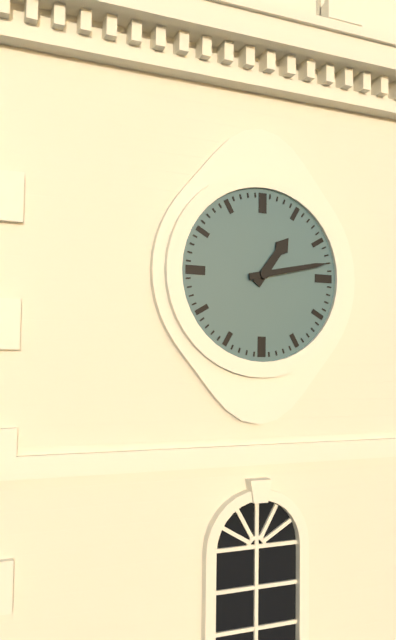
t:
**1:13**
